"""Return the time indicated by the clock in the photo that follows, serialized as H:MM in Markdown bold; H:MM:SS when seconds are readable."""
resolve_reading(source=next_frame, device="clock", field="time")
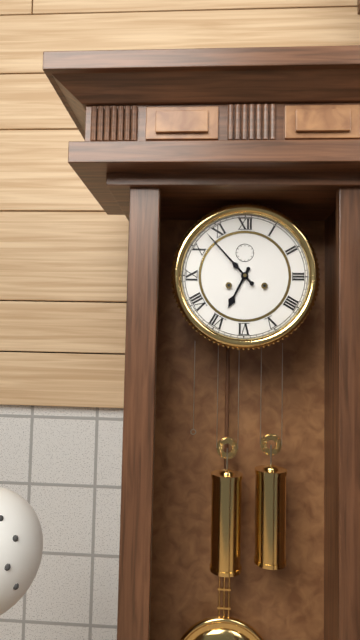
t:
**6:53**
